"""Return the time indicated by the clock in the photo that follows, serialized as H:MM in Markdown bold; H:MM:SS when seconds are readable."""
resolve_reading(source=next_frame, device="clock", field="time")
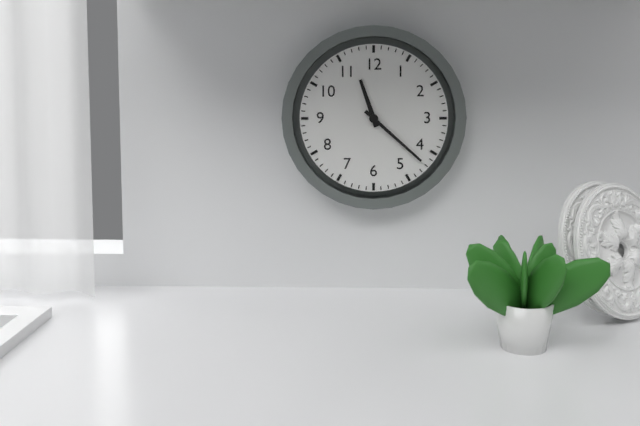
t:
**11:22**
